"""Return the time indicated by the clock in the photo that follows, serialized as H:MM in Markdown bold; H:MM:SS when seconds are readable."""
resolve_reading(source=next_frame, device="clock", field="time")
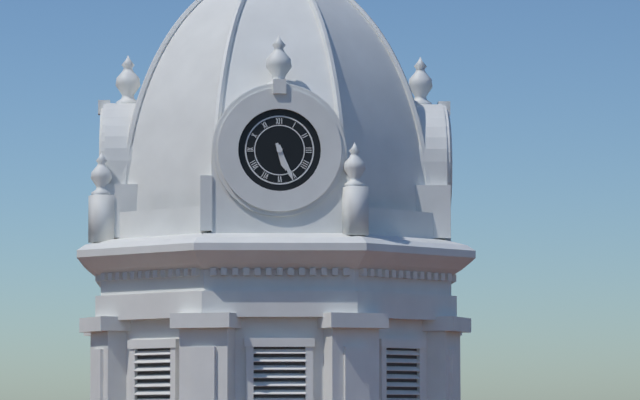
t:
**5:26**
